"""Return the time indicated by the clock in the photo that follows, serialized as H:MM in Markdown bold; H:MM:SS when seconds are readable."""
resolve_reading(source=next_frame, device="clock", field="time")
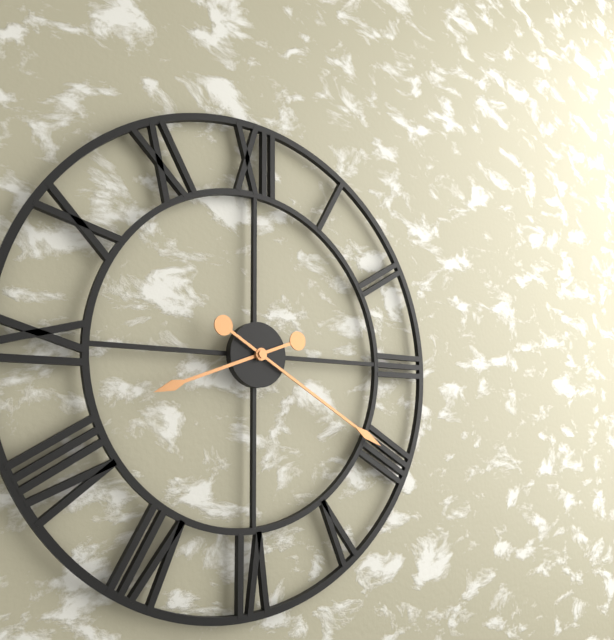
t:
**8:20**
